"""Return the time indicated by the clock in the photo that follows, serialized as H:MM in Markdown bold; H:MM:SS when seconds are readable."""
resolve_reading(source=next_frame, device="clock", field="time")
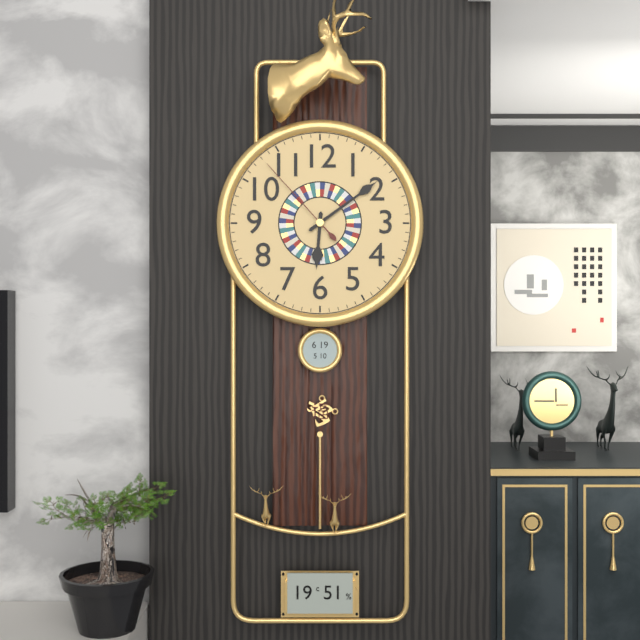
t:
**6:09:53**
